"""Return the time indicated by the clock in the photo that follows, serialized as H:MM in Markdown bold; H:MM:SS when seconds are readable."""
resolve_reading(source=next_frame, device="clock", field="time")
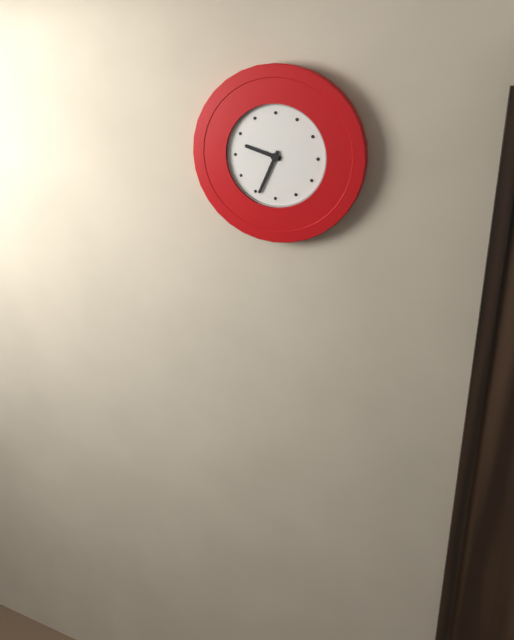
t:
**9:34**
